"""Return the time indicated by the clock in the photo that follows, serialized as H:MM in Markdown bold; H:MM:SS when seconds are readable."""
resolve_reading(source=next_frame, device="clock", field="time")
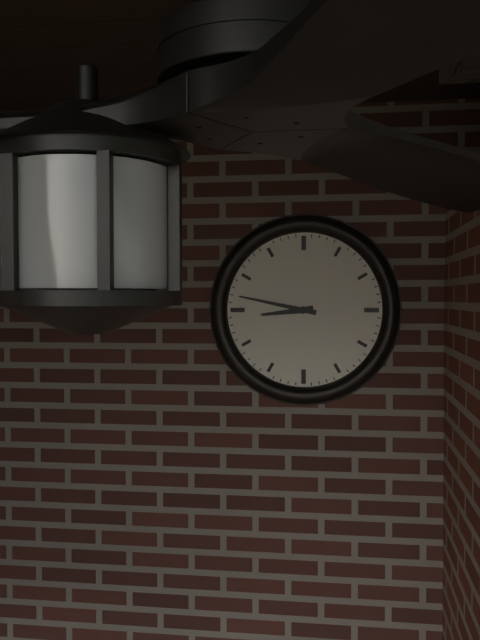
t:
**8:47**
